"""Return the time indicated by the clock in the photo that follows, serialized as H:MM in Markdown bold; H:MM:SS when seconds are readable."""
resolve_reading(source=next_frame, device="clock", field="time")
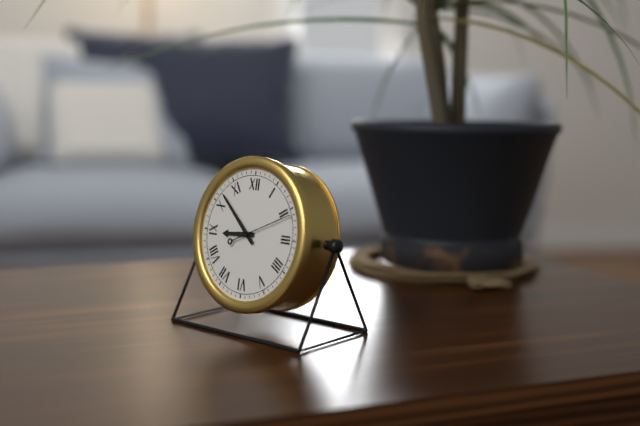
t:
**8:52:11**
